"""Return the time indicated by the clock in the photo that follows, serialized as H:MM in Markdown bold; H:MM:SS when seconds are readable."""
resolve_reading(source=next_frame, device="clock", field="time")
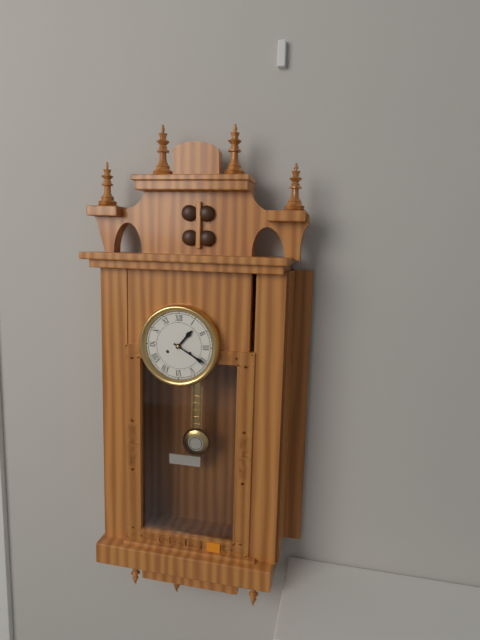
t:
**1:20**
